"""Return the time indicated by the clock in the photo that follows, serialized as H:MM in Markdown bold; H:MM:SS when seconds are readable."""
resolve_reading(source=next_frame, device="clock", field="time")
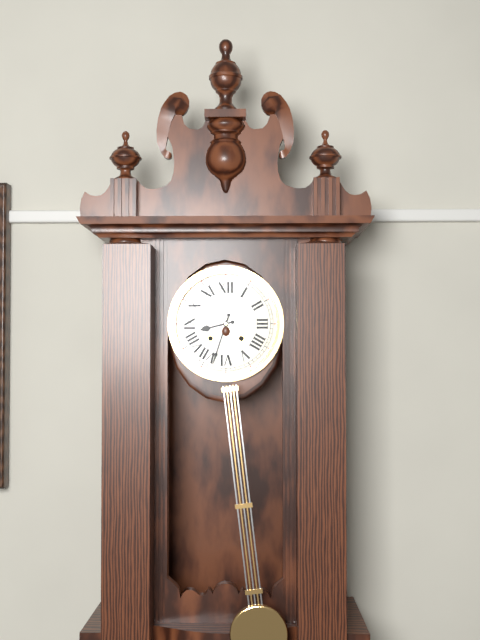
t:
**8:33**
